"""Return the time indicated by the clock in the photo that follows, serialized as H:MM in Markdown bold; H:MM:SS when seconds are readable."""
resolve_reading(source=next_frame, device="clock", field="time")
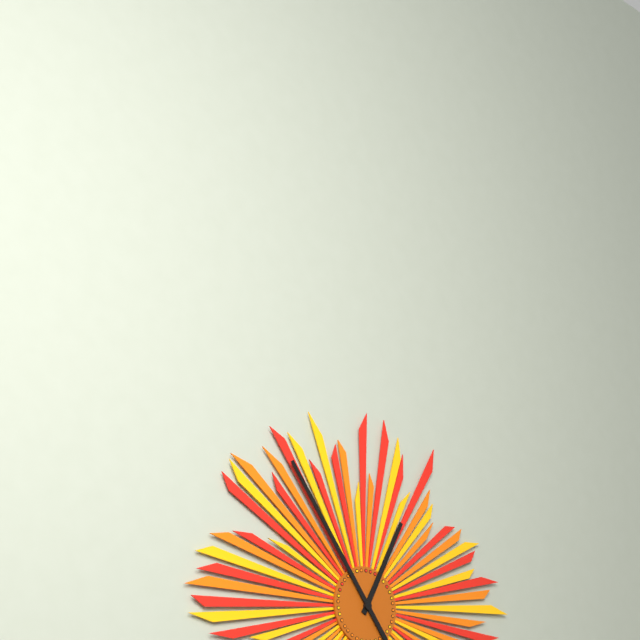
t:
**12:54**
